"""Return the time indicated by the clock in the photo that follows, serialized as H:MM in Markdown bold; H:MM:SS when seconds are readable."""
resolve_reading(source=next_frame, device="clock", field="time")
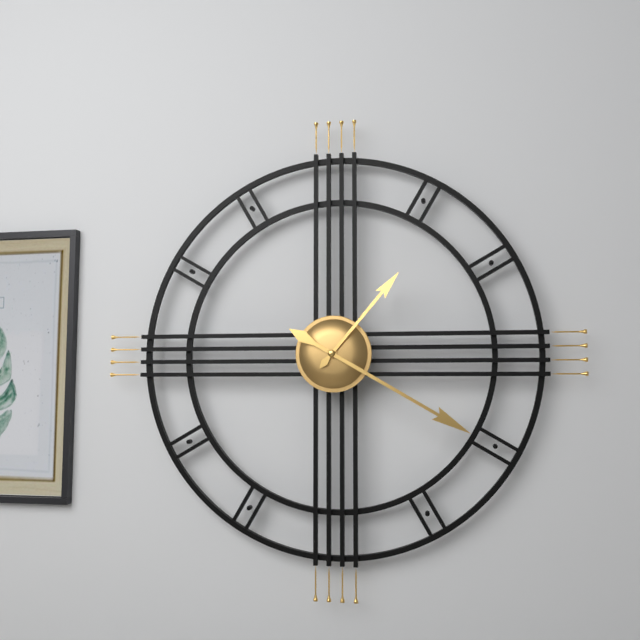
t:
**1:20**
